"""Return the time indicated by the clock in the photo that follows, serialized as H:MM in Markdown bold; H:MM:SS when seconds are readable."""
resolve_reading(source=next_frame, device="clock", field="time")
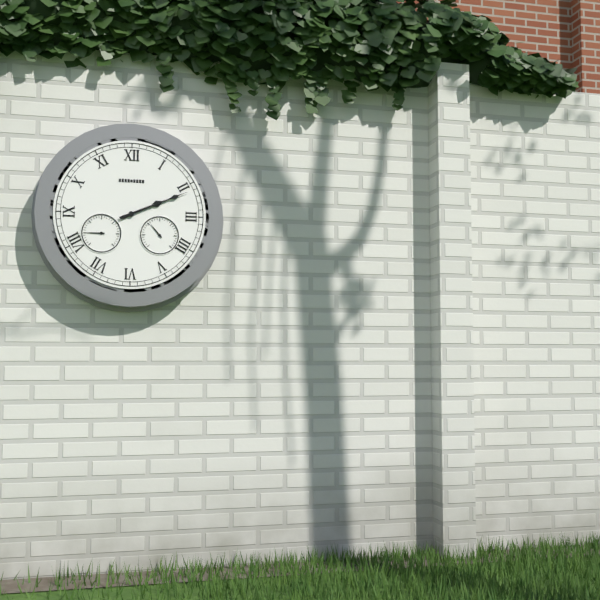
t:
**2:11**
